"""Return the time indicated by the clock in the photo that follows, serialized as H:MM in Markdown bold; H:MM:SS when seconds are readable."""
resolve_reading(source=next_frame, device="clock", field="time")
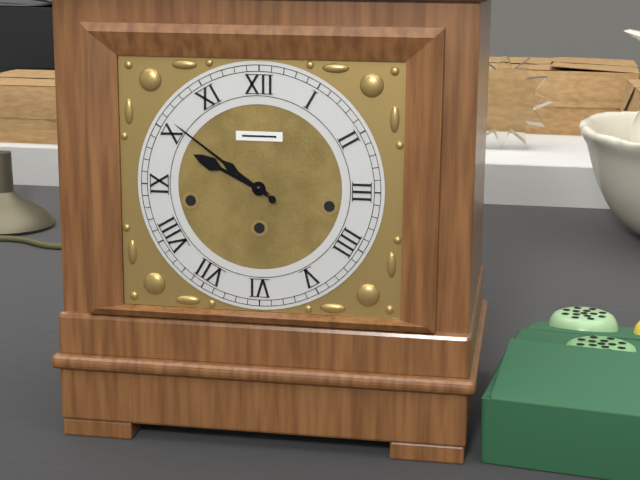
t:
**9:51**
